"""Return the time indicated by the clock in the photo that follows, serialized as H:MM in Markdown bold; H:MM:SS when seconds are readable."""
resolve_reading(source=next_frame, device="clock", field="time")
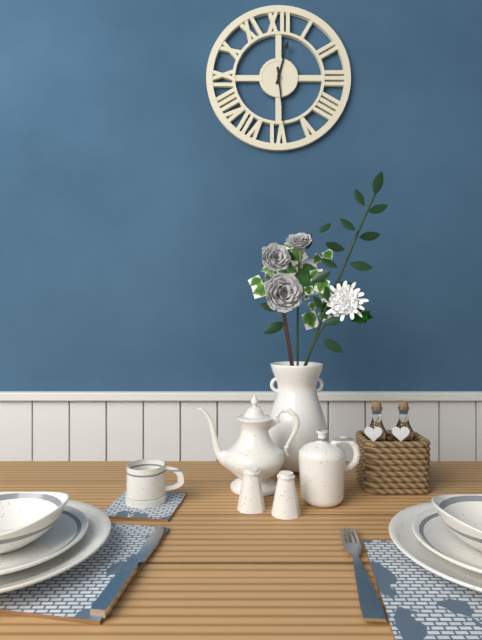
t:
**12:29**
